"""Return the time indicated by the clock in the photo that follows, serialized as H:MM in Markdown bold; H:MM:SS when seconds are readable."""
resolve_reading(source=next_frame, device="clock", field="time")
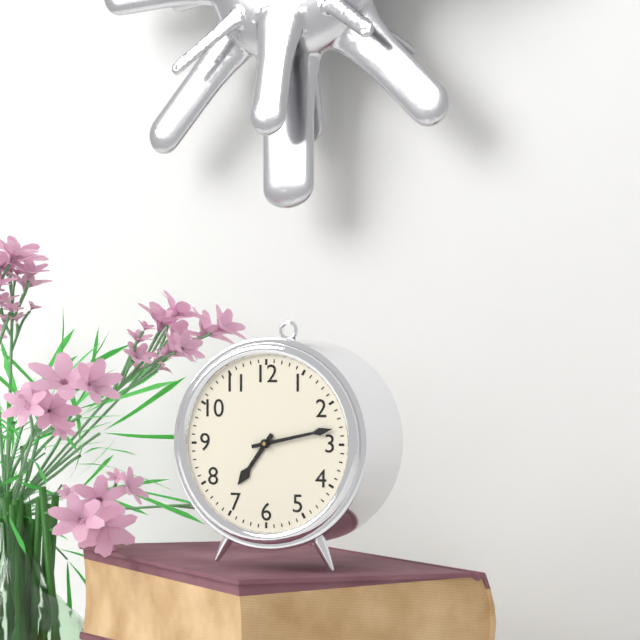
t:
**7:13**
